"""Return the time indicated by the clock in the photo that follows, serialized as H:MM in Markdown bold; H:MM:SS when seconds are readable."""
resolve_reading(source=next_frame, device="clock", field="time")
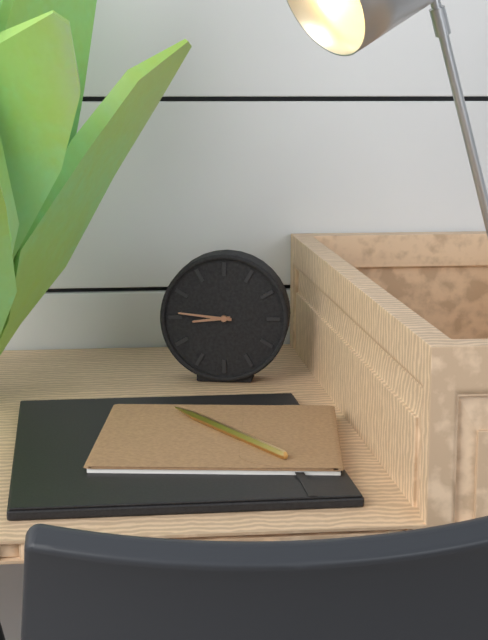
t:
**8:46**
